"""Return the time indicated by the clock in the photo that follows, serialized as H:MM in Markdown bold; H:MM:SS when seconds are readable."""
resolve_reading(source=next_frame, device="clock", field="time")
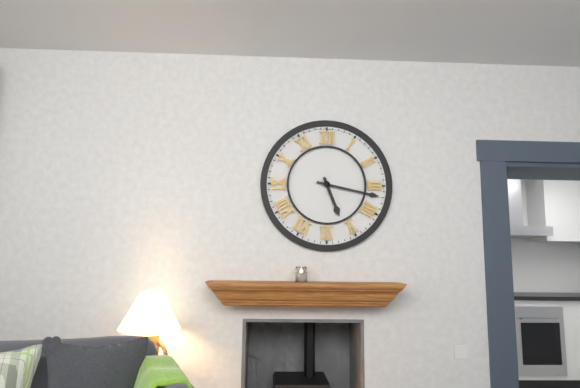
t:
**5:17**
